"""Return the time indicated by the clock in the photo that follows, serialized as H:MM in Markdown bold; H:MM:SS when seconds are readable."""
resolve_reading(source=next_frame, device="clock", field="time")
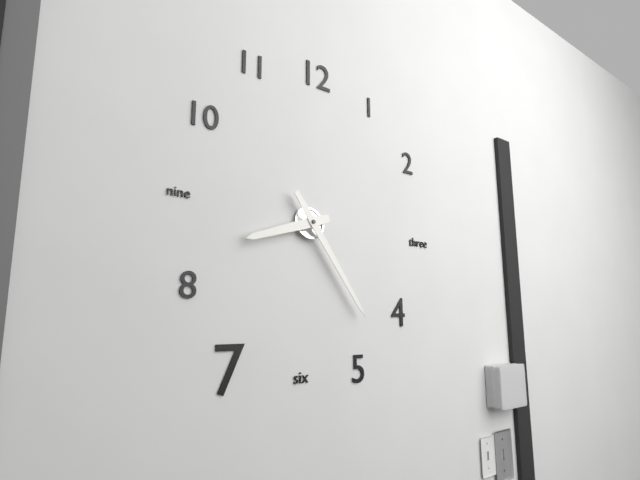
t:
**8:24**
